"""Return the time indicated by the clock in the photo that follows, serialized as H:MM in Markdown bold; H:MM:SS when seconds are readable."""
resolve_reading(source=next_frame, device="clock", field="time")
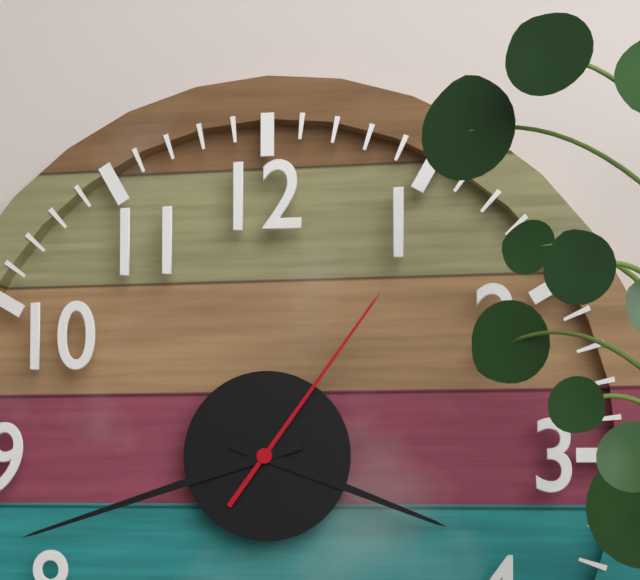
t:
**3:42:06**
